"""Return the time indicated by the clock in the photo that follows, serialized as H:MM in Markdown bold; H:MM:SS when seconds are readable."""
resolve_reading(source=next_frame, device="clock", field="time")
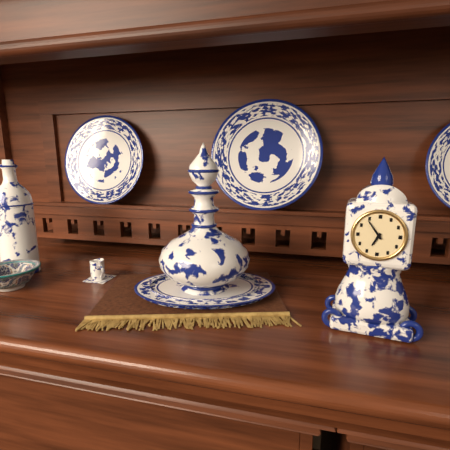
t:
**6:54**
